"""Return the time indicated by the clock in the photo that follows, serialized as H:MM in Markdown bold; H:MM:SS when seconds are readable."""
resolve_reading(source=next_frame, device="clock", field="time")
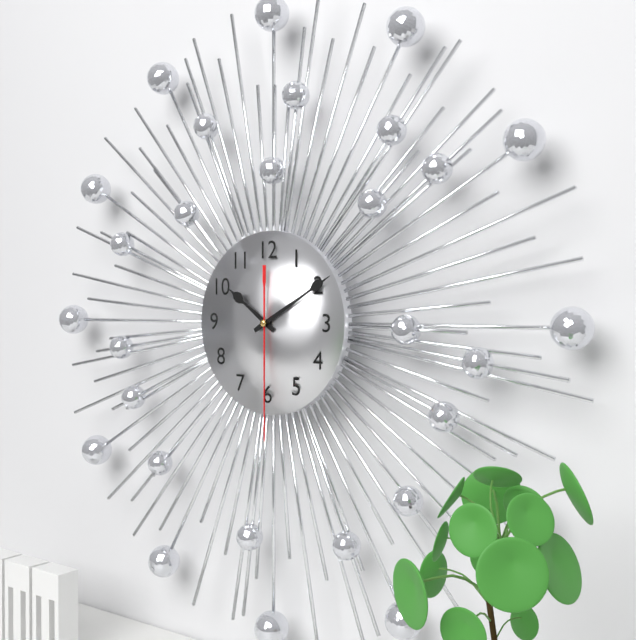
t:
**10:10:30**
